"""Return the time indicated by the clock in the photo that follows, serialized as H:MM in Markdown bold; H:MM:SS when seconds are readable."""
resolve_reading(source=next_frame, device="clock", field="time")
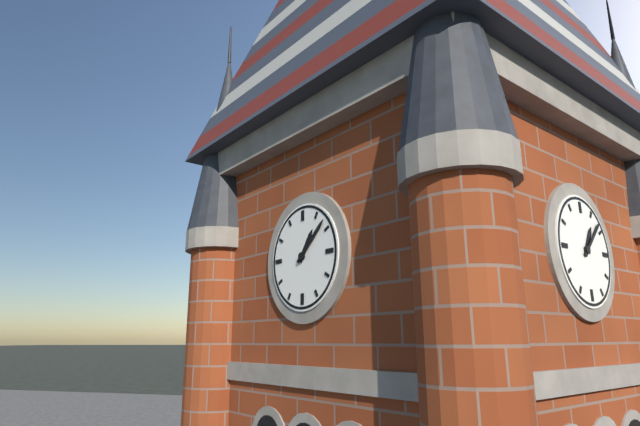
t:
**1:08**
